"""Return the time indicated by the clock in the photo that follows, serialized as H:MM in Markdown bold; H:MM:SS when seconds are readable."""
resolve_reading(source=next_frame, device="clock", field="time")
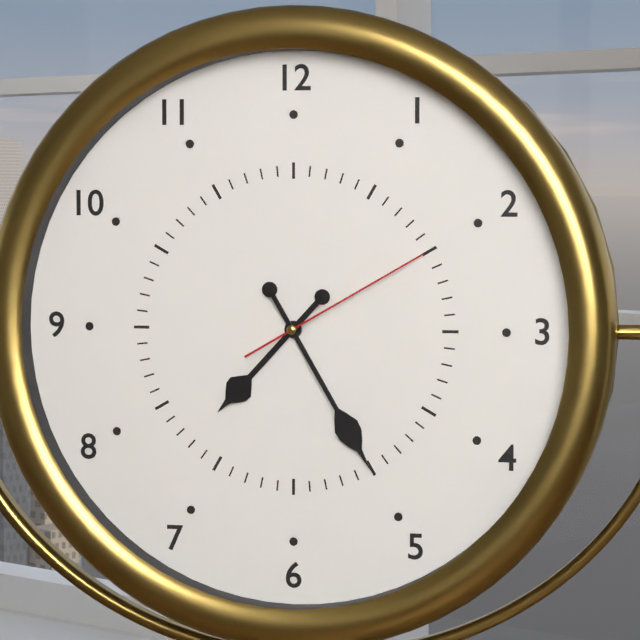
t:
**7:25:10**
